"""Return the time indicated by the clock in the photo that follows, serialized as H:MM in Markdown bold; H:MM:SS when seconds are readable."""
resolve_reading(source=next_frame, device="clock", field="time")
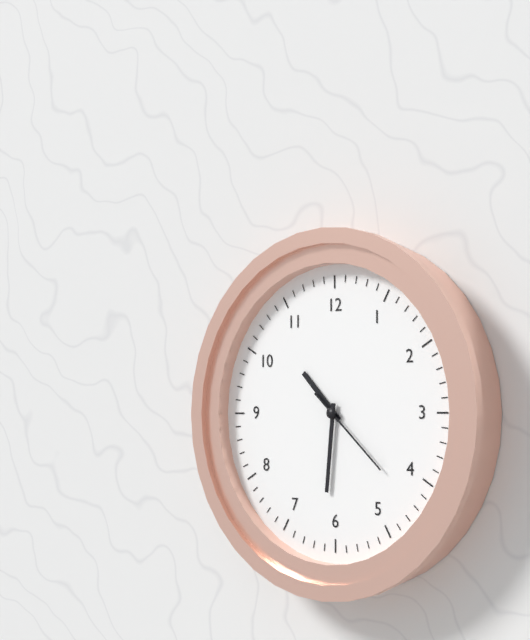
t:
**10:31:22**
